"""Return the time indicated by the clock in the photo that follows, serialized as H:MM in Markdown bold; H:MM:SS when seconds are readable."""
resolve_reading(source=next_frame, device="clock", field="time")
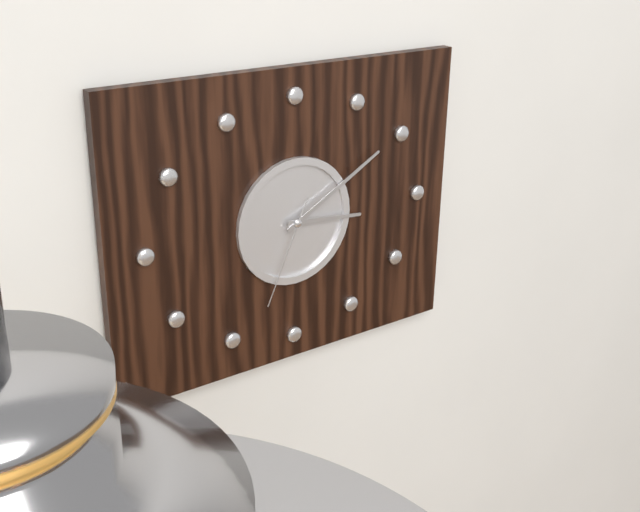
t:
**3:10:34**
